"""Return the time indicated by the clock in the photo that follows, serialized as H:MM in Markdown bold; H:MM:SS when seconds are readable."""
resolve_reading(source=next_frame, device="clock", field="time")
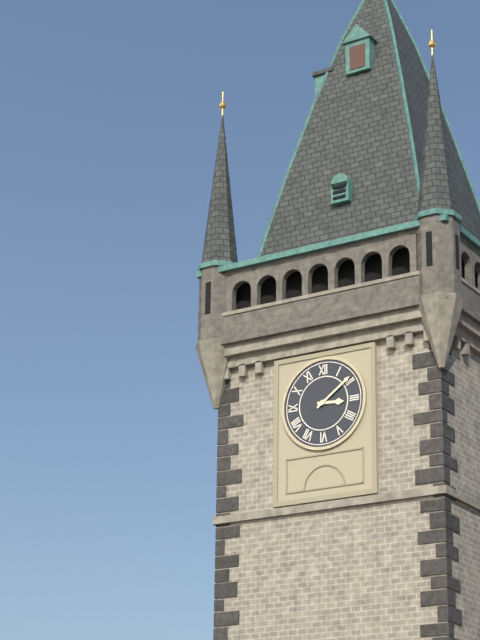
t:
**3:09**
